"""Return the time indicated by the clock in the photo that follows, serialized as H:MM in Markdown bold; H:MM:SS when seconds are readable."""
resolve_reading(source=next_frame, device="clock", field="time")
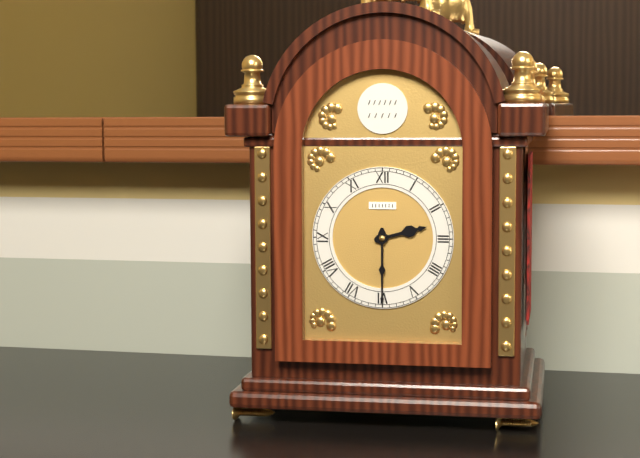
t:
**2:30**
